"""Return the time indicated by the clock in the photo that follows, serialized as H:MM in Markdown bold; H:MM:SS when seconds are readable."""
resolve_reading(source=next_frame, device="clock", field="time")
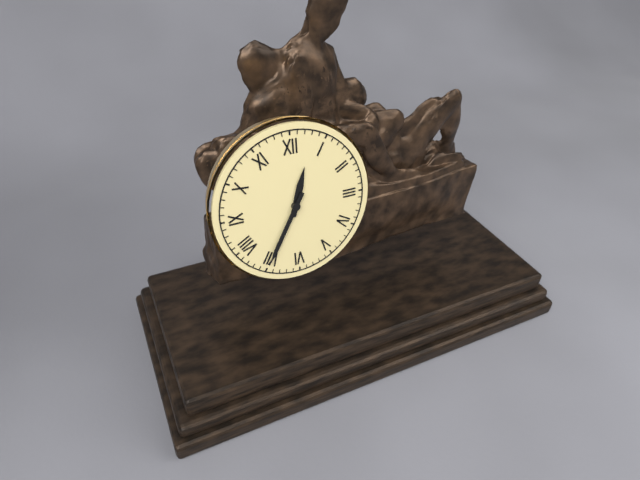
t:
**12:35**
